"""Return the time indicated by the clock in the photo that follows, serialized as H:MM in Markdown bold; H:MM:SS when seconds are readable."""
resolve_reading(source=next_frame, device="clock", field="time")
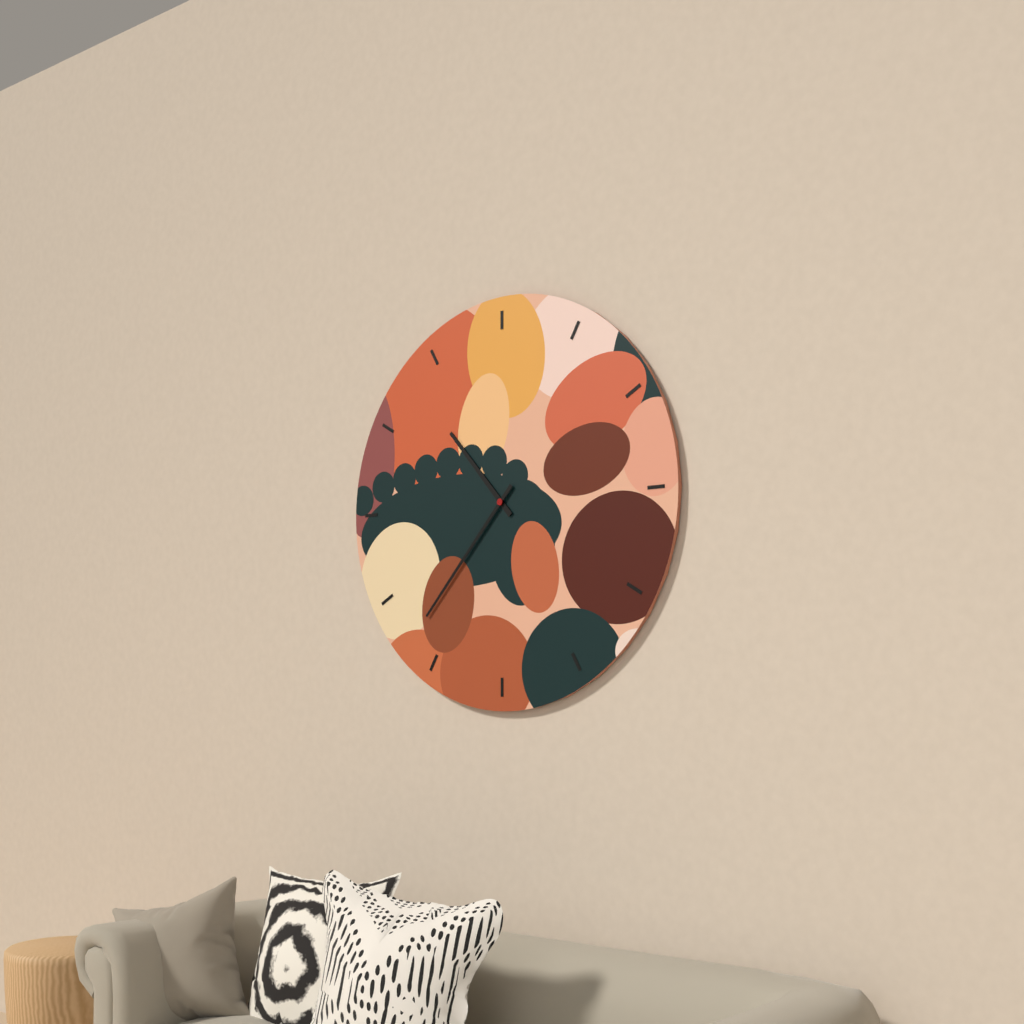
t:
**10:37**
